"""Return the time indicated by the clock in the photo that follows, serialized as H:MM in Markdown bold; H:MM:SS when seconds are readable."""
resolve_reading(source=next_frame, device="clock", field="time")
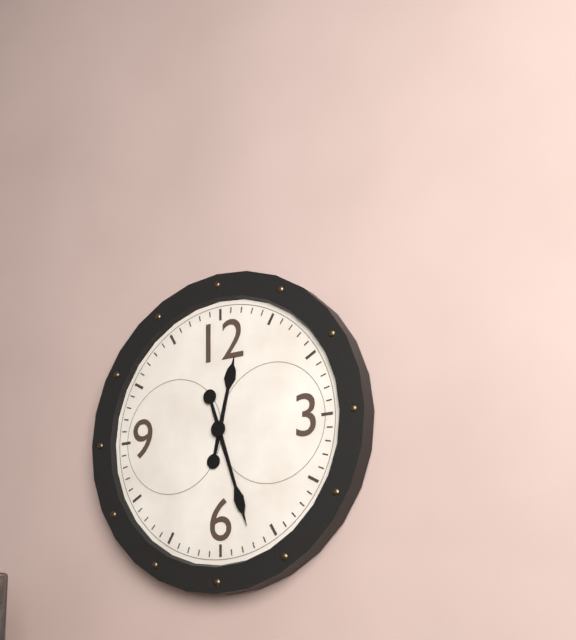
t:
**12:27**
